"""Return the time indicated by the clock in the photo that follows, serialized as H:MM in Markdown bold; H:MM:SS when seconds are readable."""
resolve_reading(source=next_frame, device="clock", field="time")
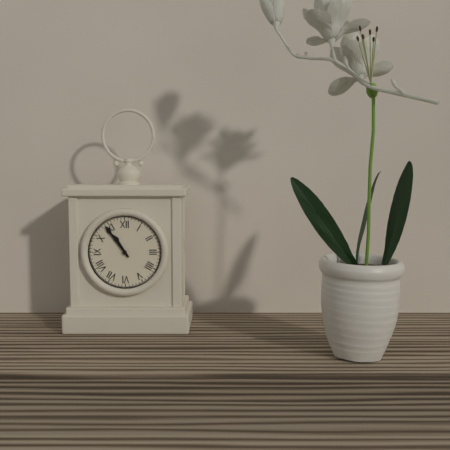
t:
**10:54**
